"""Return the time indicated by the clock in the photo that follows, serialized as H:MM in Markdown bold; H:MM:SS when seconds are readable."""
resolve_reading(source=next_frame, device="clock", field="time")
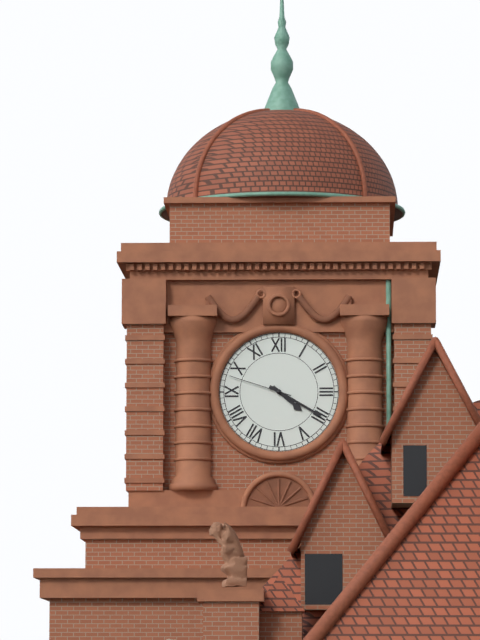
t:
**4:20:48**
